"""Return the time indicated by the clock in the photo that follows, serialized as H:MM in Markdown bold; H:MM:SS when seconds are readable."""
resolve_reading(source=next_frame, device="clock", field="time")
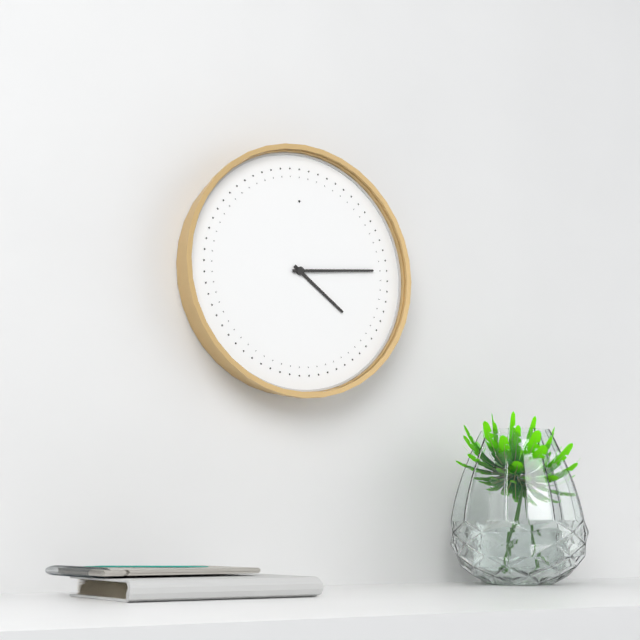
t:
**4:14**
